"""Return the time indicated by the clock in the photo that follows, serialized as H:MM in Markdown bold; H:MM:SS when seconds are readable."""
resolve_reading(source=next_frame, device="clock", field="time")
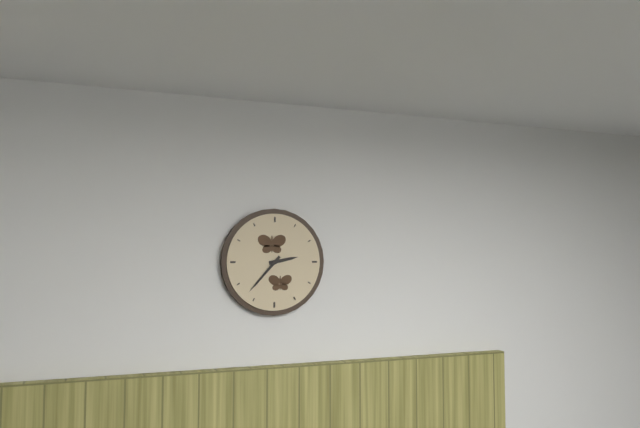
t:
**2:37**
